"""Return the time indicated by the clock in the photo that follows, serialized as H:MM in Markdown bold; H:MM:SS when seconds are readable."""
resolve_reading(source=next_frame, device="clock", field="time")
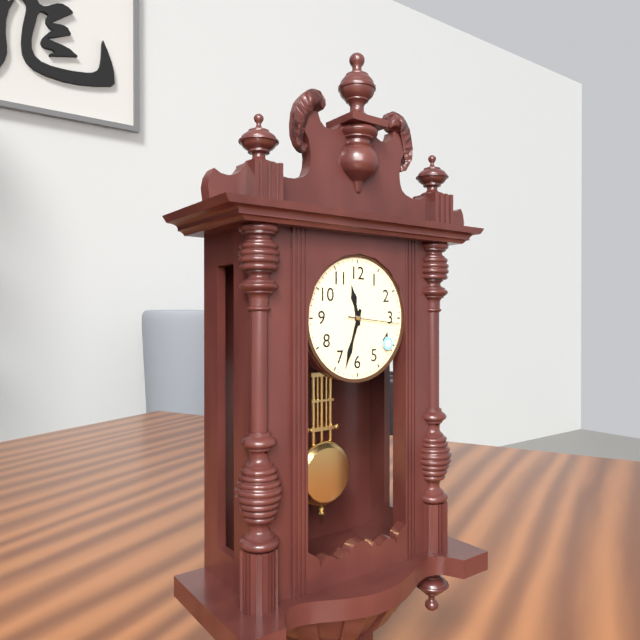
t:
**11:33:16**
